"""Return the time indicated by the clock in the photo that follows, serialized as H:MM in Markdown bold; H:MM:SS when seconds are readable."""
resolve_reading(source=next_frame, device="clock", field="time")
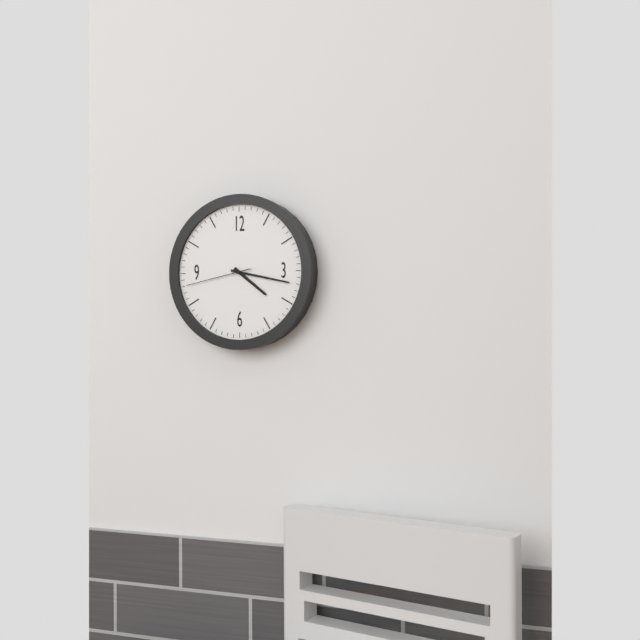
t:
**4:17:43**
